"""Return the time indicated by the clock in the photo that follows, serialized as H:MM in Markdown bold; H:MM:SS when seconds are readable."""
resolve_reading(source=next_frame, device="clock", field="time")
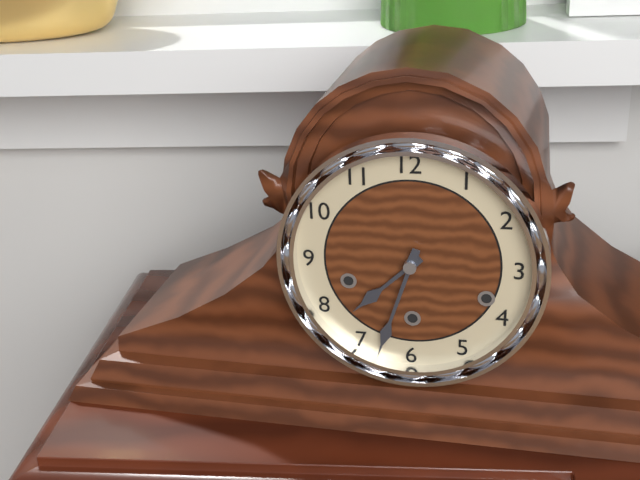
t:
**7:33**
